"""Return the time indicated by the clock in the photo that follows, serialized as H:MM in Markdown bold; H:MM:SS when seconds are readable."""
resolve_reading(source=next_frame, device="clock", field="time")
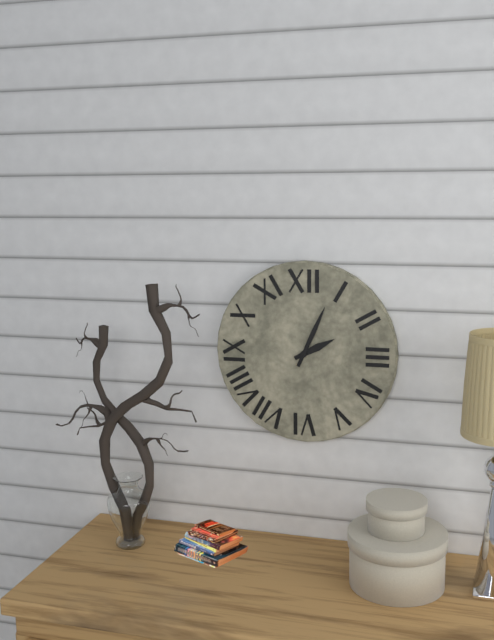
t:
**2:04**
